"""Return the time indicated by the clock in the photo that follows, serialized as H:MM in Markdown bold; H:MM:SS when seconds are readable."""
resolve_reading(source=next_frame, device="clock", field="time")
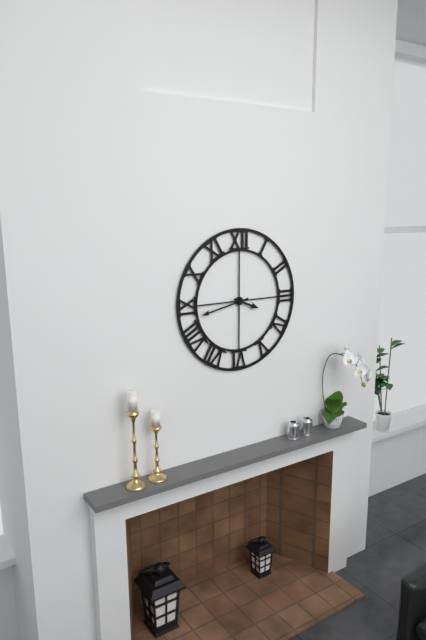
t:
**3:43**
